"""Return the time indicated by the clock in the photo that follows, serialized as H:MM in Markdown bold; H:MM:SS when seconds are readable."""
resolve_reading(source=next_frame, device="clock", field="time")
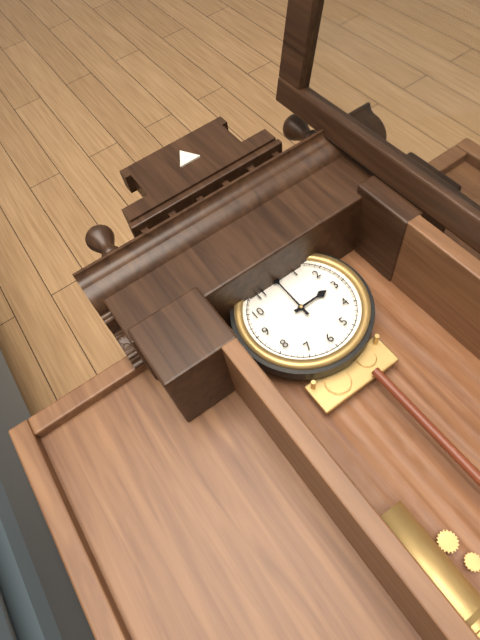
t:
**3:00**
